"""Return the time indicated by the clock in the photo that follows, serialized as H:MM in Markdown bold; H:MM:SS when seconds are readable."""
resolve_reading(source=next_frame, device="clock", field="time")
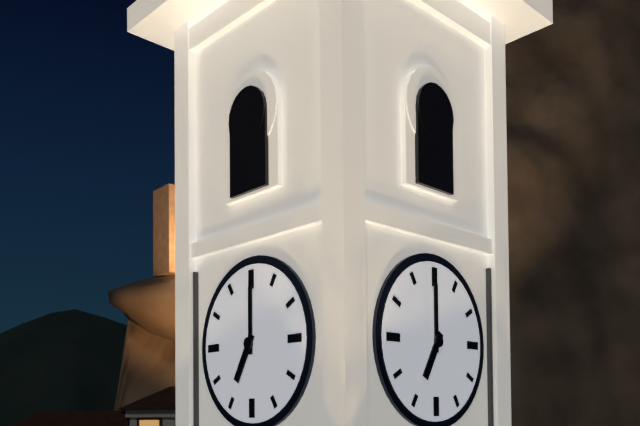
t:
**7:00**
